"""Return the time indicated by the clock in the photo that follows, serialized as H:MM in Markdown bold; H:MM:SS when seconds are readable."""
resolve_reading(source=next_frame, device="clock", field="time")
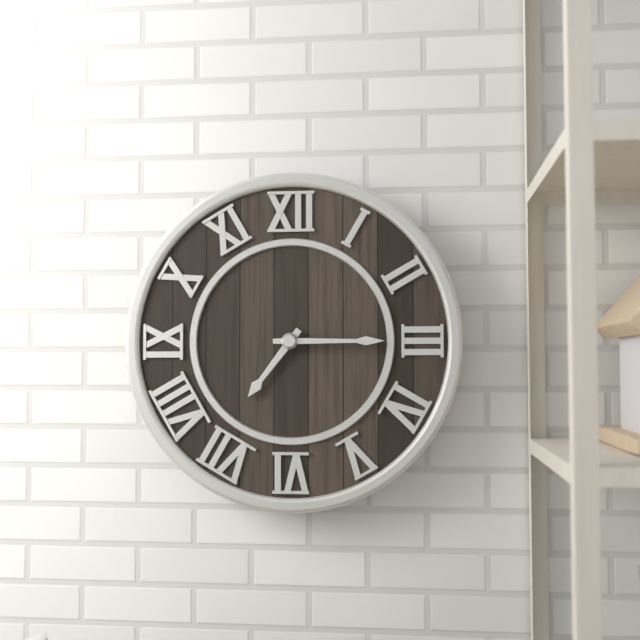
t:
**7:15**
